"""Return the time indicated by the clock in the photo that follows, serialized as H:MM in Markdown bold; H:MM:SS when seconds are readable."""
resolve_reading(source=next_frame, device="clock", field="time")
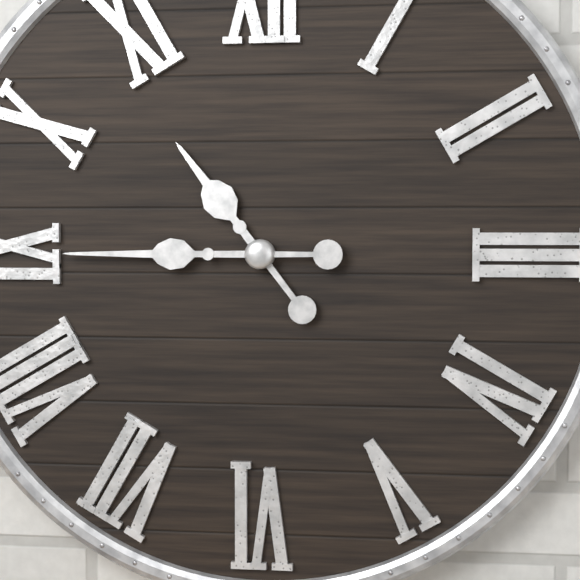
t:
**10:45**
